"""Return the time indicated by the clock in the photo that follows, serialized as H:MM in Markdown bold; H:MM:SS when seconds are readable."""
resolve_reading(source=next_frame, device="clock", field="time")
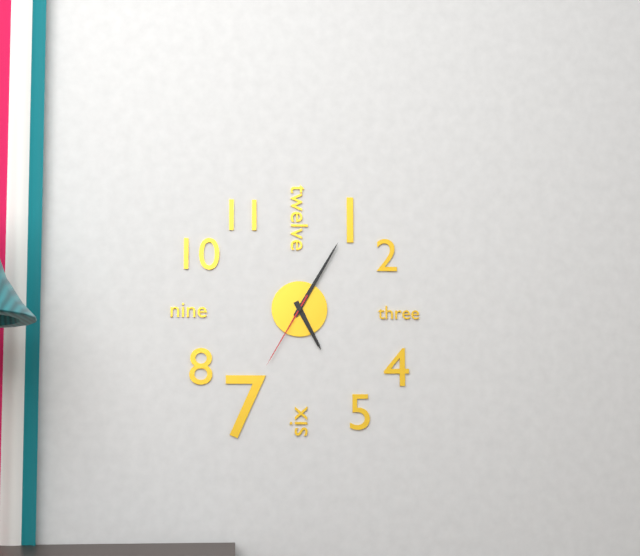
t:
**5:05:35**
